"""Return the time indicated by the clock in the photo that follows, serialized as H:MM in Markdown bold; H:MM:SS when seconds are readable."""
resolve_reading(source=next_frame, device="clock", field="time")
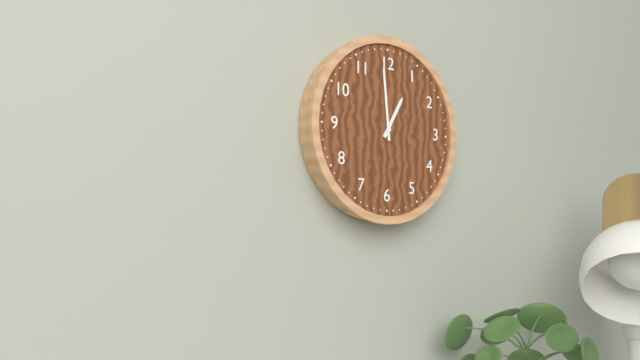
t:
**12:59**
